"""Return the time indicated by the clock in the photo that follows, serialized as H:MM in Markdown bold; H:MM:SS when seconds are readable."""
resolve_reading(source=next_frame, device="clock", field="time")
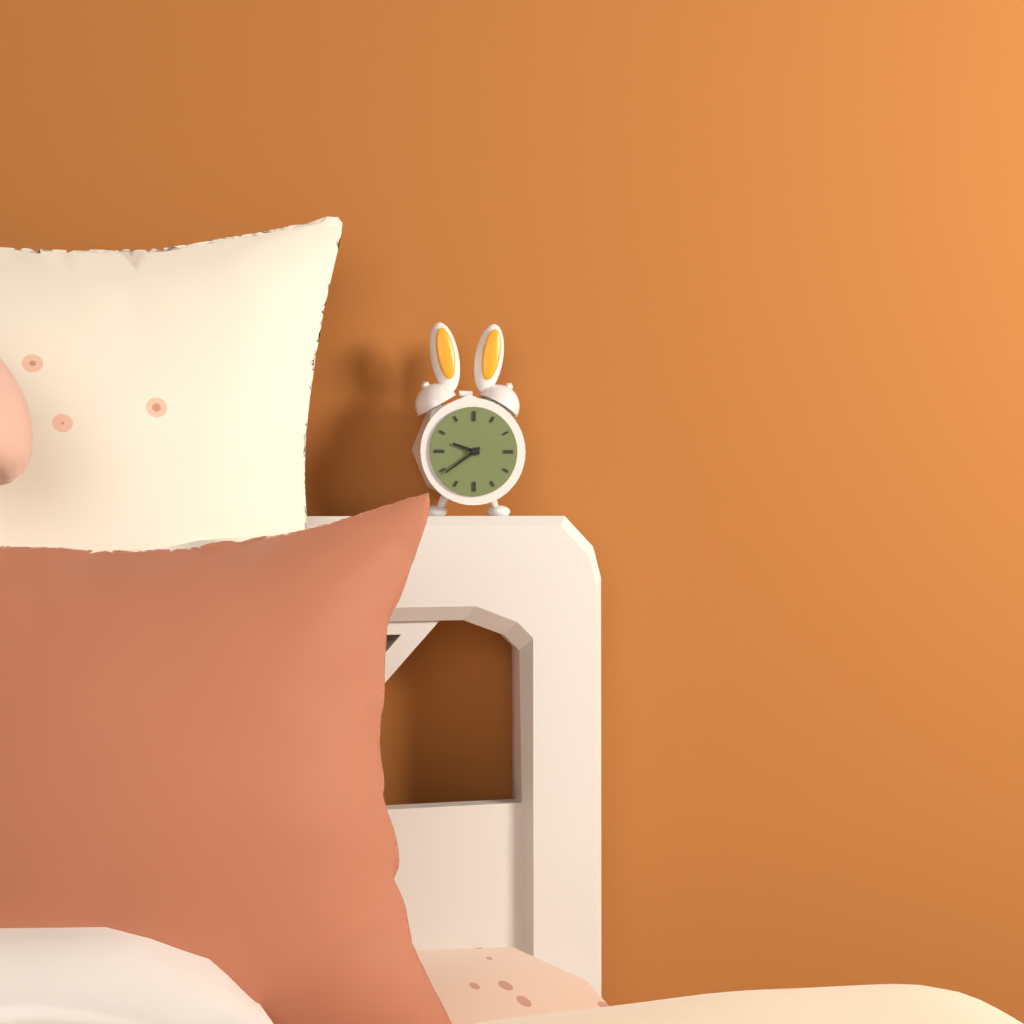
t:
**9:39**
